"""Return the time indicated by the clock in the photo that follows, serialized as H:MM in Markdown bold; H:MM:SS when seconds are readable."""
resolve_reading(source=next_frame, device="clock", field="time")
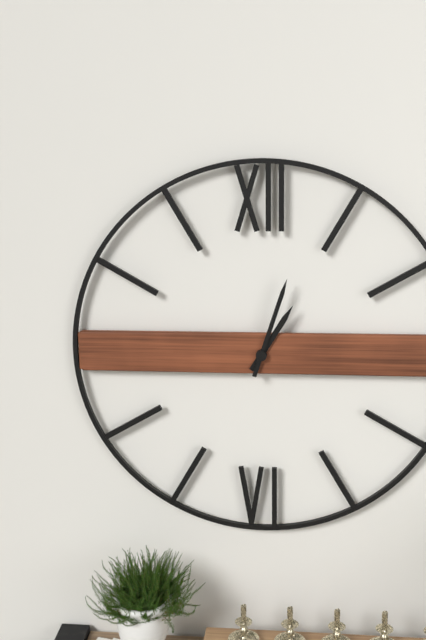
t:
**1:03**
